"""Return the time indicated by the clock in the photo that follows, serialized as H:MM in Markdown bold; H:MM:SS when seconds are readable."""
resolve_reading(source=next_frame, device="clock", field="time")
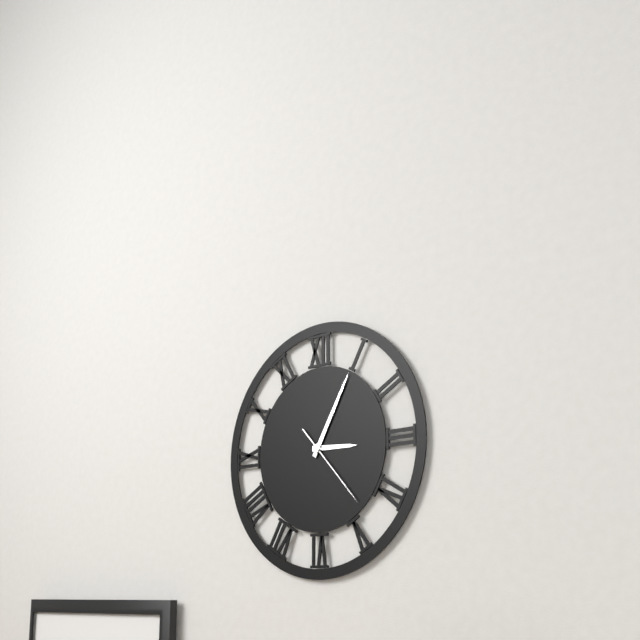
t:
**3:05:23**
